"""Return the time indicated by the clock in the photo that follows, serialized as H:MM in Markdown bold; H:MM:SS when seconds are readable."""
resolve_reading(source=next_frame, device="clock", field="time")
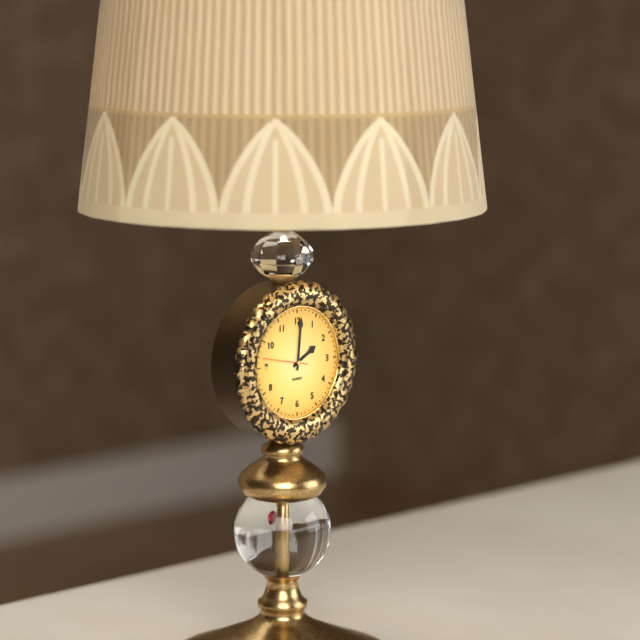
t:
**2:01**
